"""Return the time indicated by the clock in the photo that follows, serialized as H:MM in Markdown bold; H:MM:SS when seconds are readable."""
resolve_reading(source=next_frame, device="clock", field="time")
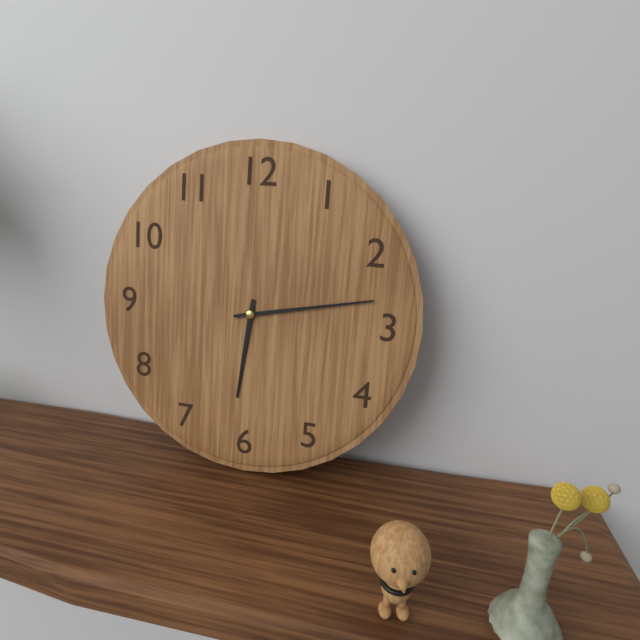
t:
**6:13**
